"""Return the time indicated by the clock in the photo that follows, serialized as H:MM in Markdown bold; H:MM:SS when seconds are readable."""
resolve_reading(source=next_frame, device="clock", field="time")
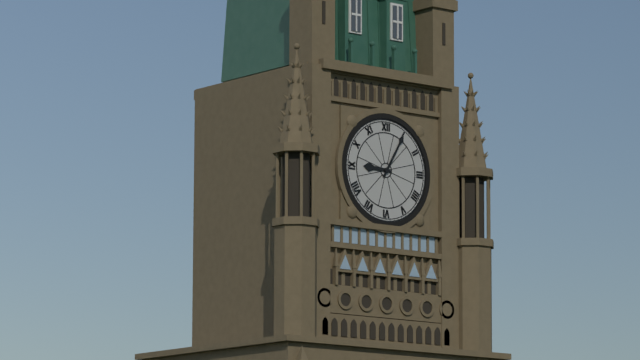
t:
**9:05**
